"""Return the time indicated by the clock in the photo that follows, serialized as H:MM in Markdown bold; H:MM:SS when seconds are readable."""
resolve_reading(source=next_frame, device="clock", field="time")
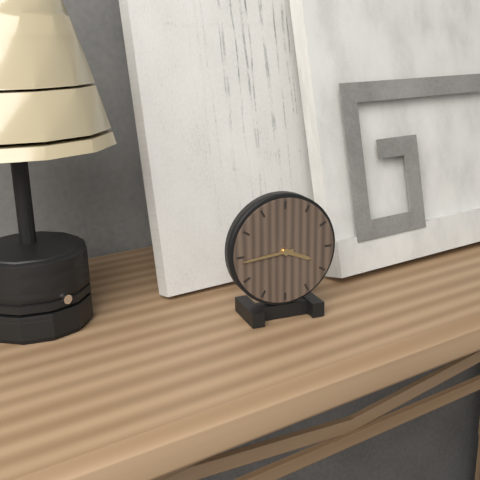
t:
**3:44**
